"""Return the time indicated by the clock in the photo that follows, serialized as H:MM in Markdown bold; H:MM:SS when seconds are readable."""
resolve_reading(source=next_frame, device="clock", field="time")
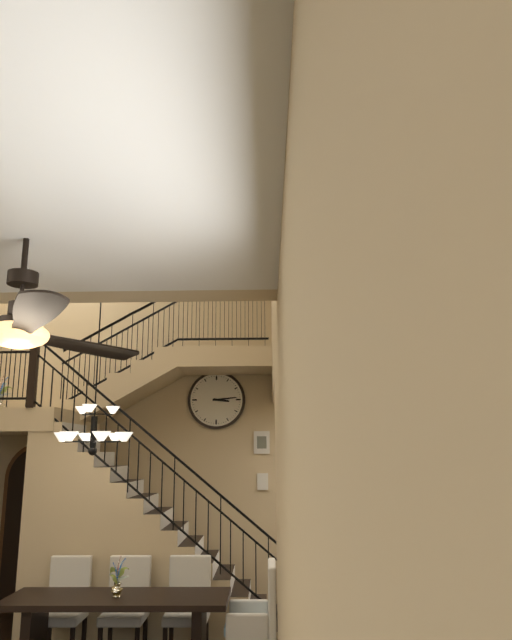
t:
**3:14**
